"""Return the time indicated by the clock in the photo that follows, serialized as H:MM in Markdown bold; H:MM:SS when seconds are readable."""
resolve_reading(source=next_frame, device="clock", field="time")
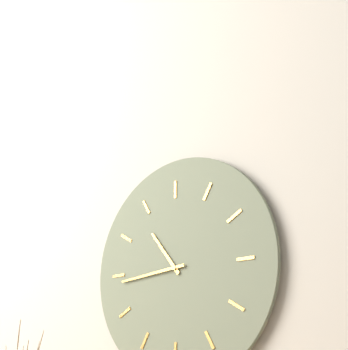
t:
**10:44**
